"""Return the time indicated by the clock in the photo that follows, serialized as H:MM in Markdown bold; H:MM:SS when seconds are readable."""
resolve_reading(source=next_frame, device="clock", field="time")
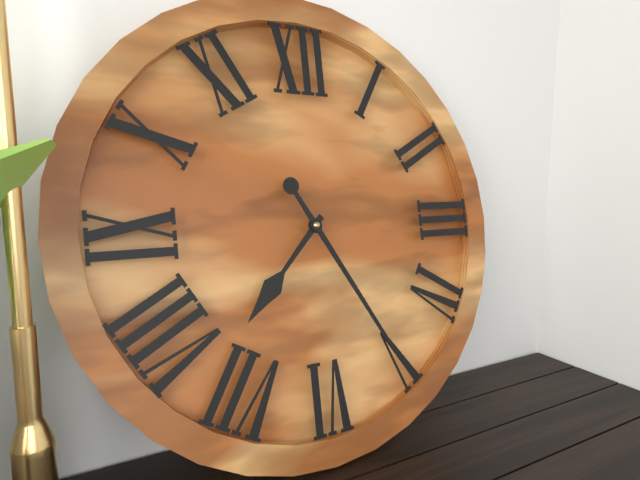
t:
**7:25**
